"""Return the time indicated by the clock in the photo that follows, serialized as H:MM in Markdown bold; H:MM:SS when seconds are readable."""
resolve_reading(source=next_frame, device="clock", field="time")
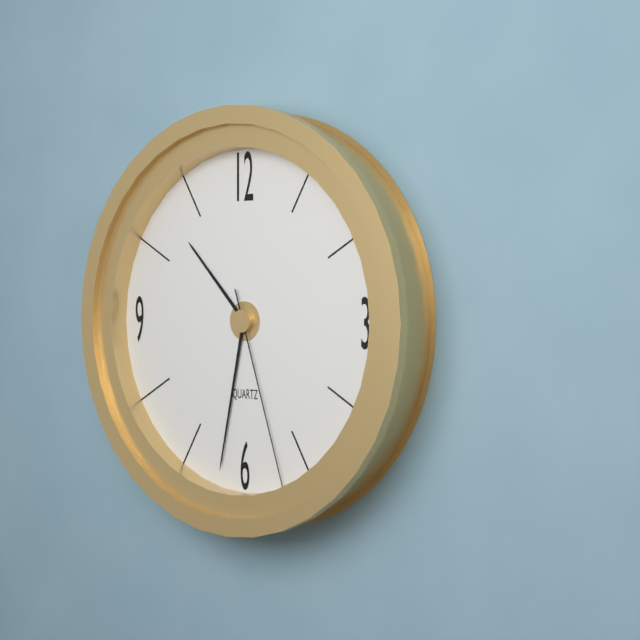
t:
**10:32:27**
